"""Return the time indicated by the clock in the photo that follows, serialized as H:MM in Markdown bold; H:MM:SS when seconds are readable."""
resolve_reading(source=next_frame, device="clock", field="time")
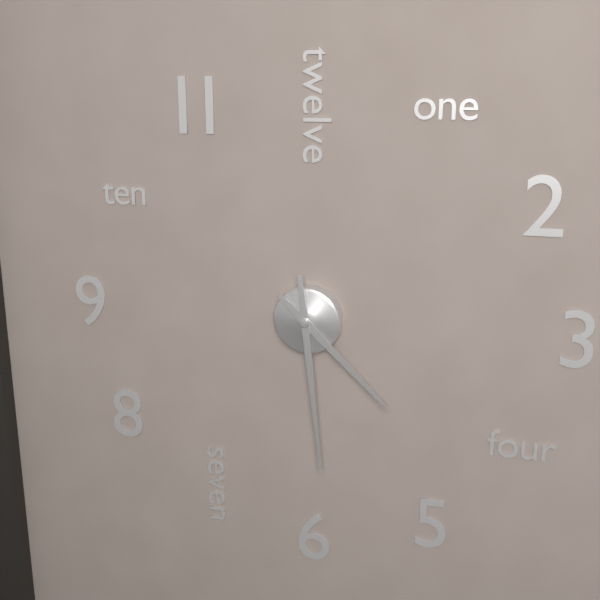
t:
**4:29**
